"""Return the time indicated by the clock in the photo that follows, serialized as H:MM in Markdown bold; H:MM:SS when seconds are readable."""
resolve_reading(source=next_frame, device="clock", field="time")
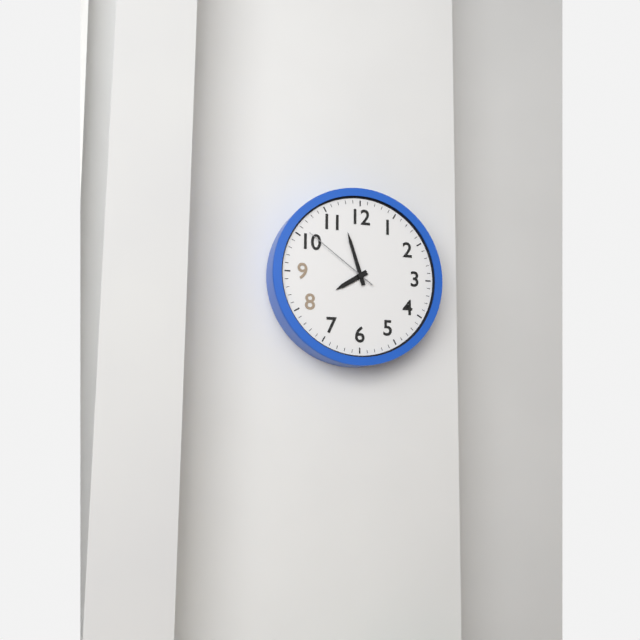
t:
**7:57:51**
